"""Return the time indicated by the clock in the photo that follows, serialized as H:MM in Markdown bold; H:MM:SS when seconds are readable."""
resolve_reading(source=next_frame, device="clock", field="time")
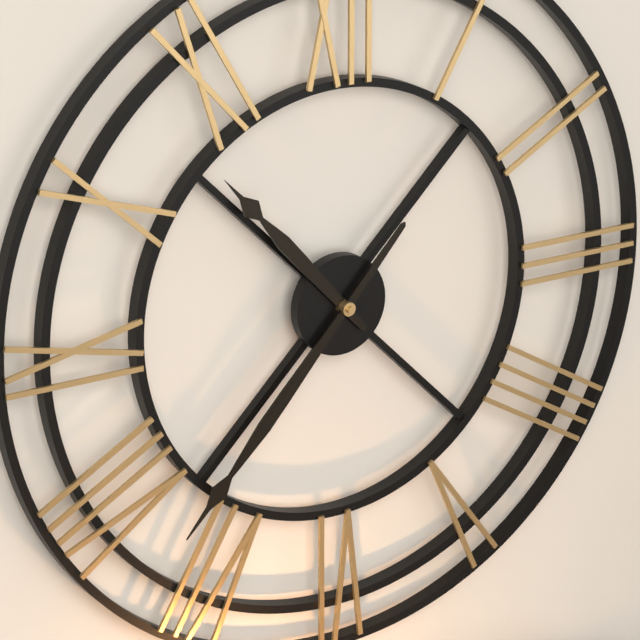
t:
**10:37**
